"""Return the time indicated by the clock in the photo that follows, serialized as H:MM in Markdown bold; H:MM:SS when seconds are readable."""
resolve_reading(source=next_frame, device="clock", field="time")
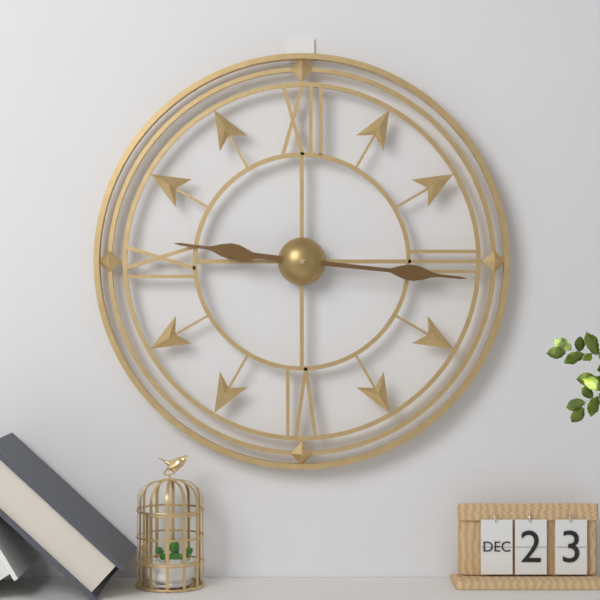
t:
**9:16**
